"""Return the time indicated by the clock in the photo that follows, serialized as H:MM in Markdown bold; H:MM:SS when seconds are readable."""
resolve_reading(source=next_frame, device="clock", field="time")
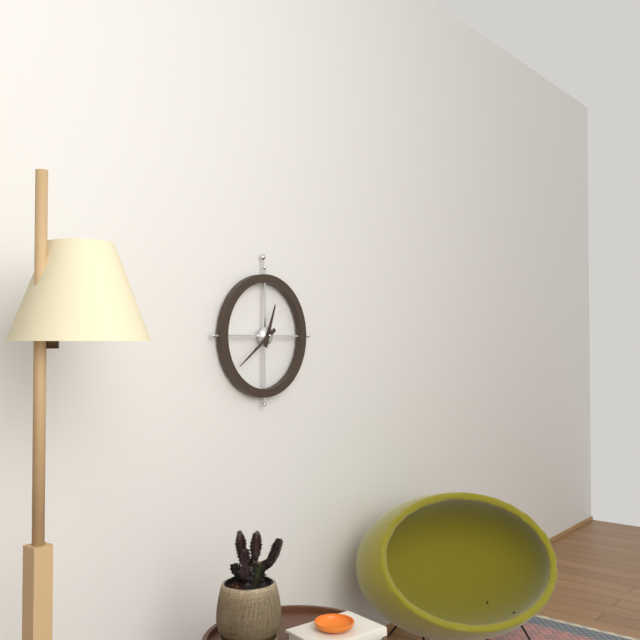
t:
**12:39**
